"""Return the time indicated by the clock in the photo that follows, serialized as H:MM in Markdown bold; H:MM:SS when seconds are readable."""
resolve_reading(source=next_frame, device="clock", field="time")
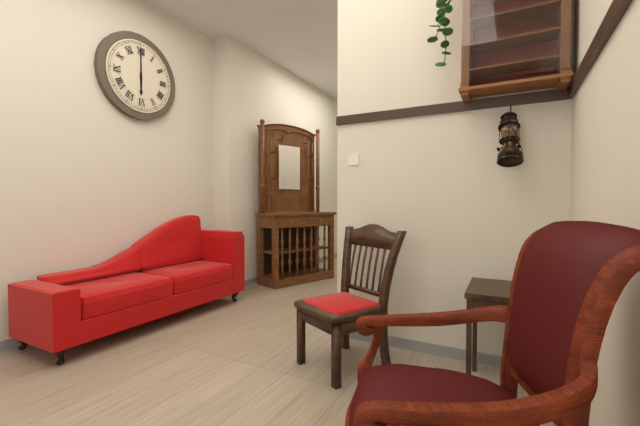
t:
**6:00**
